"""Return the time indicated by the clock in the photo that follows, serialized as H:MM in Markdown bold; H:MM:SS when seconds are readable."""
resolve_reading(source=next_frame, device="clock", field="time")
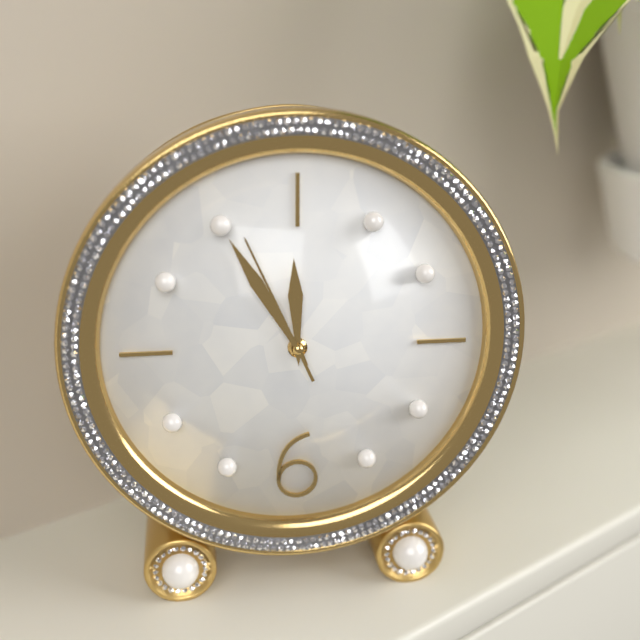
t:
**11:55:56**
